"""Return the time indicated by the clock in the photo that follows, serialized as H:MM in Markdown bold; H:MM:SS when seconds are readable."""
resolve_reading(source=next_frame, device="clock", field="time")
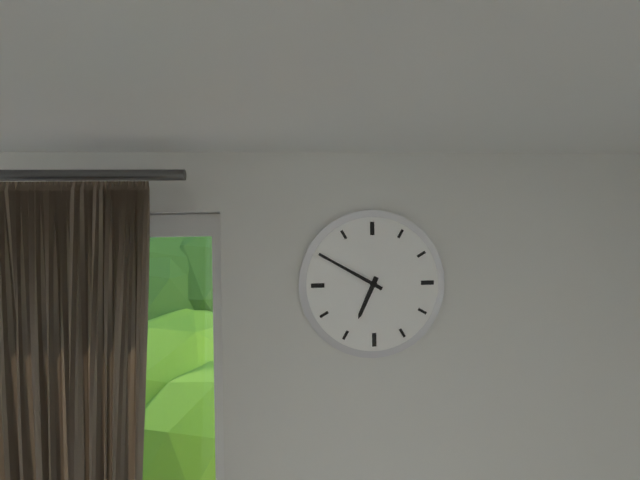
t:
**6:50**
